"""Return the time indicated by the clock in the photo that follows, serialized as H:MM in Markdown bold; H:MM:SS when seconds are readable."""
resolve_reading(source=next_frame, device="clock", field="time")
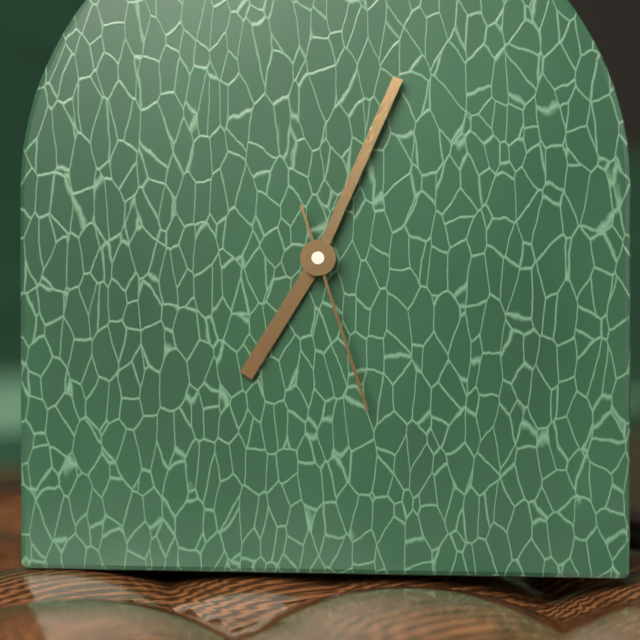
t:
**7:04:27**
